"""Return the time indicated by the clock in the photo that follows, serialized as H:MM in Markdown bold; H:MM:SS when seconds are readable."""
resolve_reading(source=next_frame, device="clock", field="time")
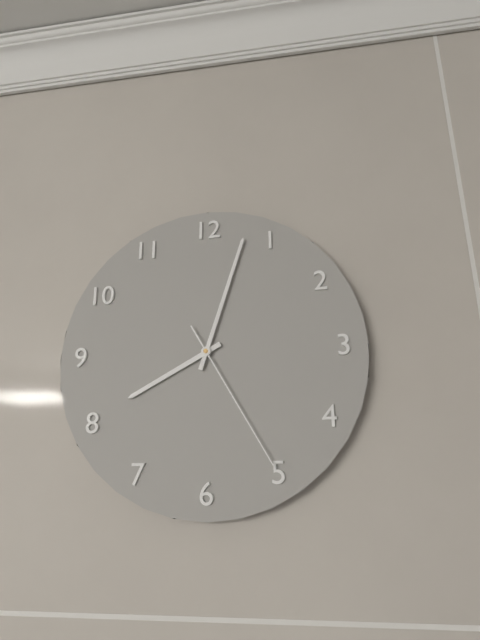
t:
**8:03:25**
